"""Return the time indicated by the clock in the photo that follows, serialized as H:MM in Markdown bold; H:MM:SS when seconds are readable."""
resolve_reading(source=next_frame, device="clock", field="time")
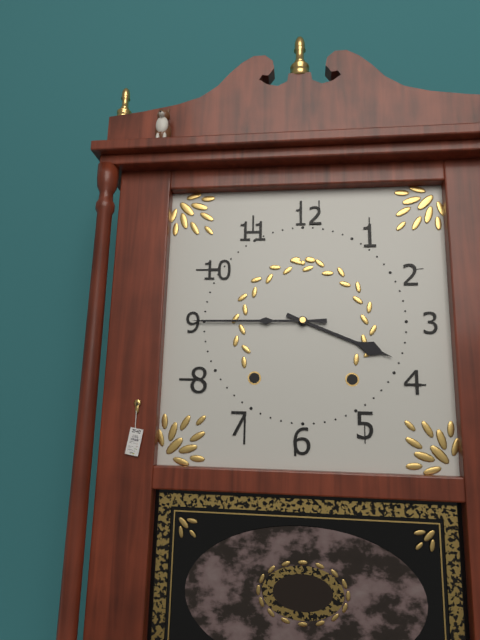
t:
**3:45**
